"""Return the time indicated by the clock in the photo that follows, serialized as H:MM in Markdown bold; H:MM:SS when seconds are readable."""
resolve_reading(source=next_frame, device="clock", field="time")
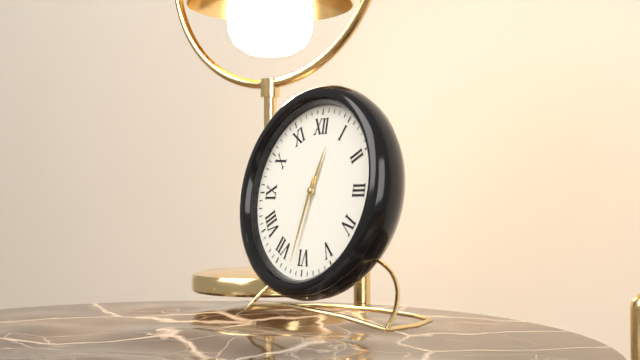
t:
**12:32**
